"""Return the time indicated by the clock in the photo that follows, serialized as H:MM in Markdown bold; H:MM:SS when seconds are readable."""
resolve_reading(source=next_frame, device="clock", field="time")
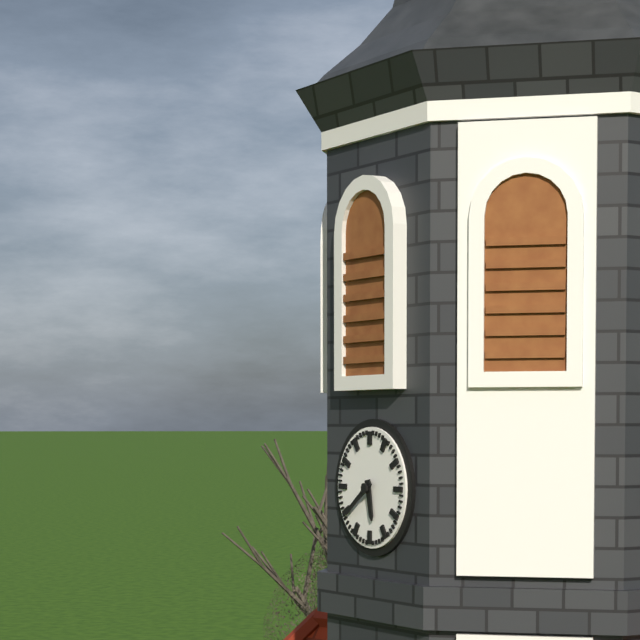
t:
**5:39**
